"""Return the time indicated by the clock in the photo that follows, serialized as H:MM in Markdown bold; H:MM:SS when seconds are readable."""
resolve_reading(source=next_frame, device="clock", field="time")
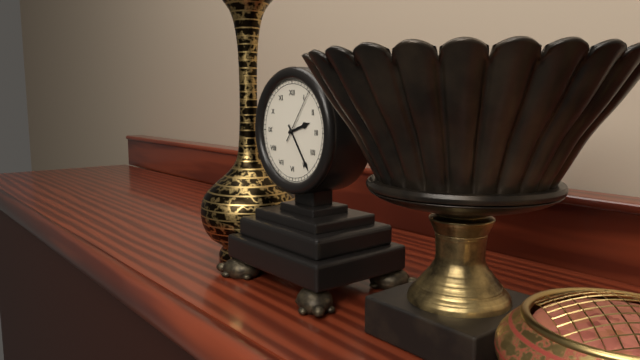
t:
**2:24:06**
